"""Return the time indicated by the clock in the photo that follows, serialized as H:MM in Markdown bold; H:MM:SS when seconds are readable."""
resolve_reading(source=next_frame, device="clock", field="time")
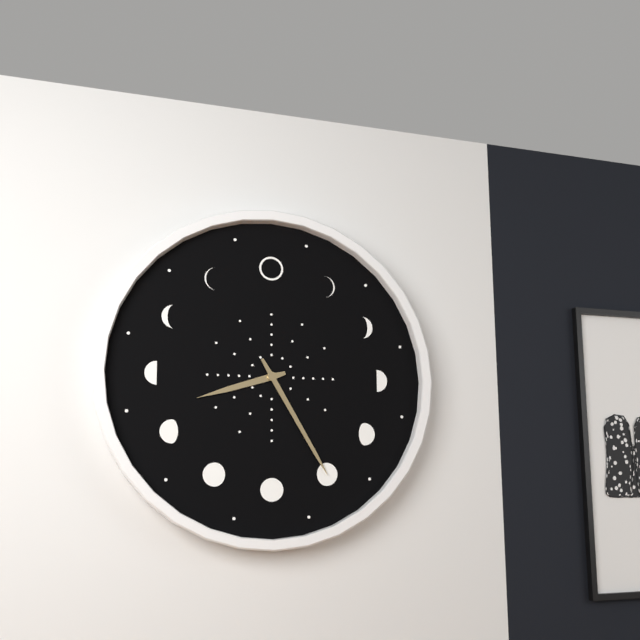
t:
**8:25**
